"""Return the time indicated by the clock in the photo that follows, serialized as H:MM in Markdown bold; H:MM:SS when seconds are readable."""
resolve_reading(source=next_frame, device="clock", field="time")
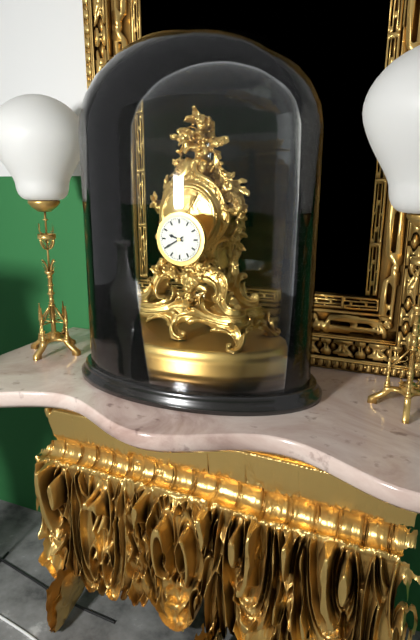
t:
**9:40**
